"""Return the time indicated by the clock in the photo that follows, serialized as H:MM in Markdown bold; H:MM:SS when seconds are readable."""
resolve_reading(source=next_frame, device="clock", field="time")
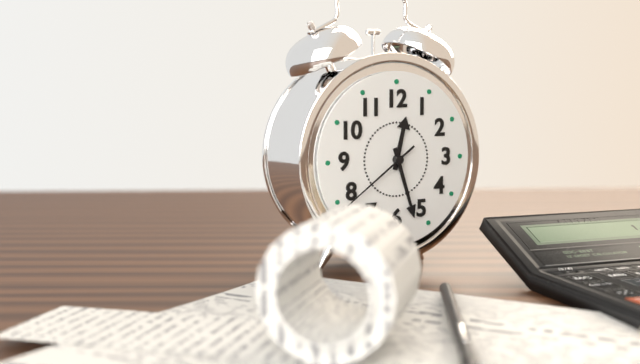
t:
**12:27:39**
